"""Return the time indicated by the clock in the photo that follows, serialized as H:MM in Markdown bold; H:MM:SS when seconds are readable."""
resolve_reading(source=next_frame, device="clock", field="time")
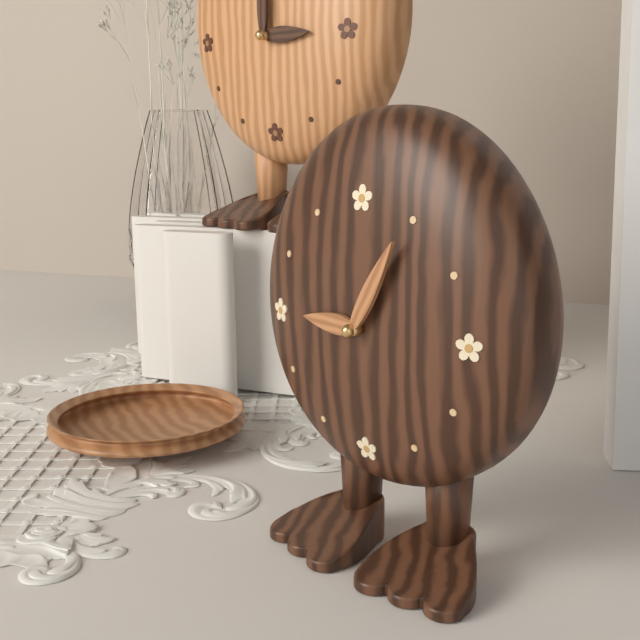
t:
**9:05**
